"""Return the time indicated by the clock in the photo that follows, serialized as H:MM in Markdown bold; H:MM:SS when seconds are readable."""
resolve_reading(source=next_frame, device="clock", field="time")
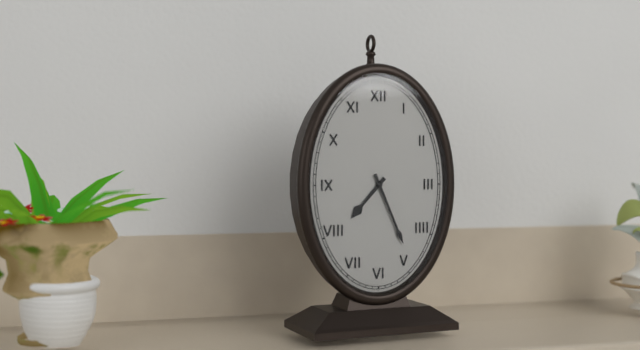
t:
**7:26**
